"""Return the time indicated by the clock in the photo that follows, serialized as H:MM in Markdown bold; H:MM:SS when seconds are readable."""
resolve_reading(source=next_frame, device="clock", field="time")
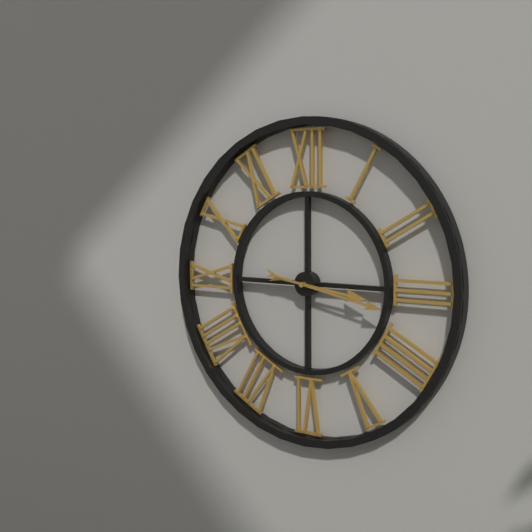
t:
**3:17**
